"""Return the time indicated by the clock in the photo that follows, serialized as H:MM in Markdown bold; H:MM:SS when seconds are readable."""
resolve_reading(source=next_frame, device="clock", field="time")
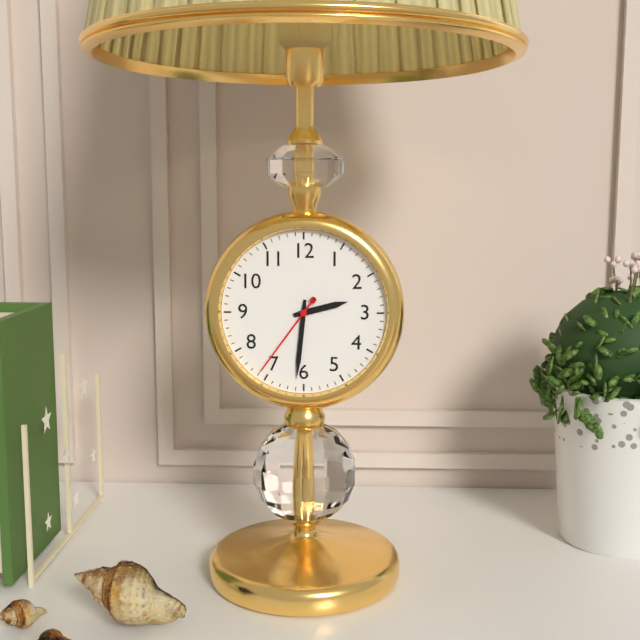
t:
**2:31:36**
